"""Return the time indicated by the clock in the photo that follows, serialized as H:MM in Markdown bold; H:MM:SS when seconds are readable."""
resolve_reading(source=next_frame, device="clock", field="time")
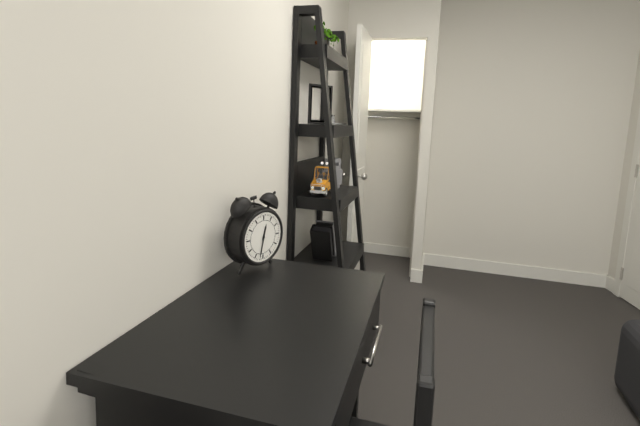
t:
**12:32**
